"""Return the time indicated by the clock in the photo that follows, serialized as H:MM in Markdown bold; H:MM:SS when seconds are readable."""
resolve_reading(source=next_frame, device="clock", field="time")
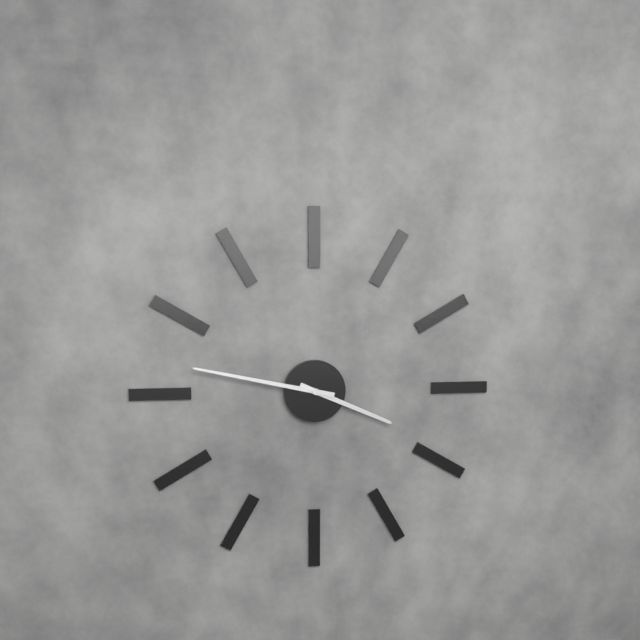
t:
**3:47**
